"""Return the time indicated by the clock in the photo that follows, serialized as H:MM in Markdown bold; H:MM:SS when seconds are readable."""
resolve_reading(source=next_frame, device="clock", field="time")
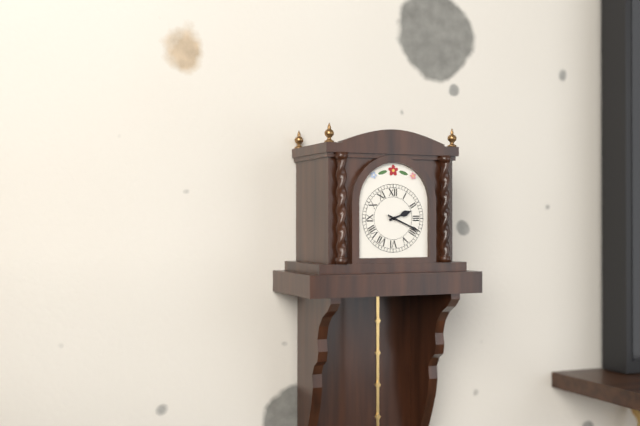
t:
**2:19**
